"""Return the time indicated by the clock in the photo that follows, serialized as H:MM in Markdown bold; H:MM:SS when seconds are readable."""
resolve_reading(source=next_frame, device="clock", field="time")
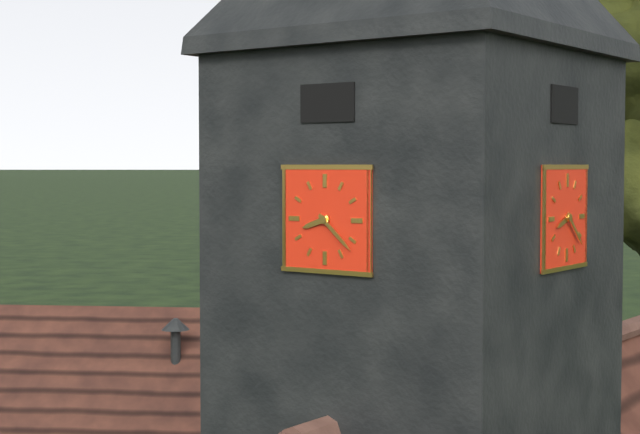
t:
**8:22**
